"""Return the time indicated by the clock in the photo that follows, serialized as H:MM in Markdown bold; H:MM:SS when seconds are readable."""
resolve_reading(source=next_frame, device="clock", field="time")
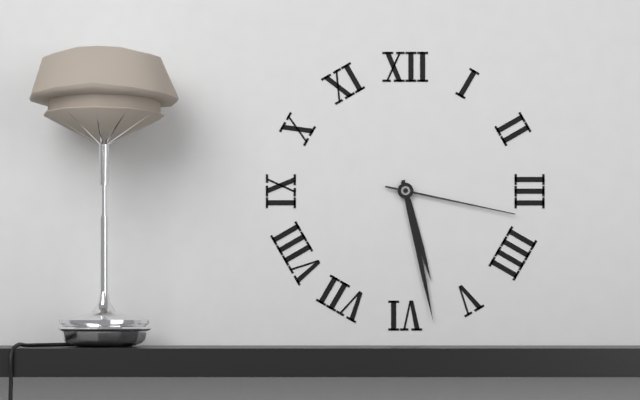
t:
**5:28:17**
